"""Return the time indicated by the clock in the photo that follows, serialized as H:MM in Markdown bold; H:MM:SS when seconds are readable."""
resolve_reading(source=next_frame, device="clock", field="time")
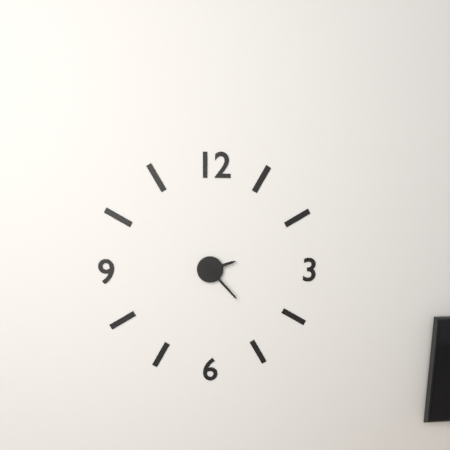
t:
**2:23**
